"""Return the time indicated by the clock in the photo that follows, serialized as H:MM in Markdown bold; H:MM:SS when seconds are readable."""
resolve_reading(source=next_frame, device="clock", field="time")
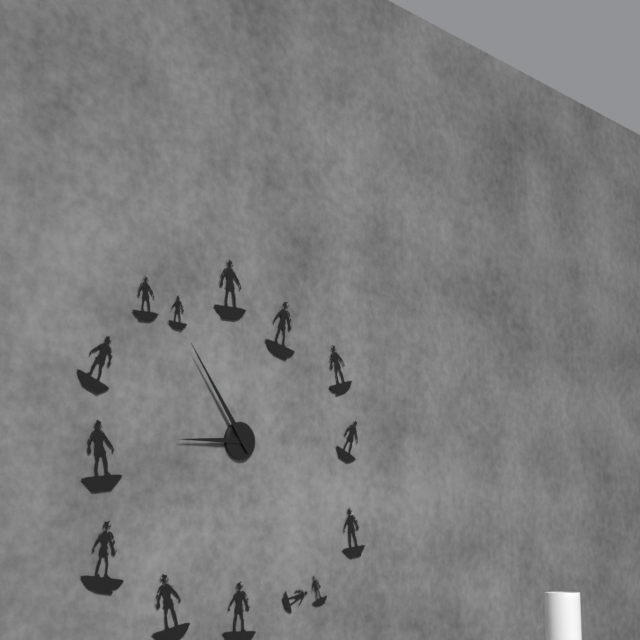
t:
**8:54**
